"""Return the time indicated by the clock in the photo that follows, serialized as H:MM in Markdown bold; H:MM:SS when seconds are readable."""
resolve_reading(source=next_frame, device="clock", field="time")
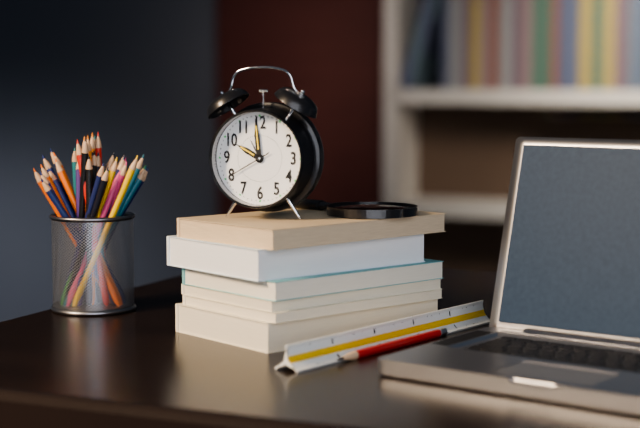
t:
**9:59**
